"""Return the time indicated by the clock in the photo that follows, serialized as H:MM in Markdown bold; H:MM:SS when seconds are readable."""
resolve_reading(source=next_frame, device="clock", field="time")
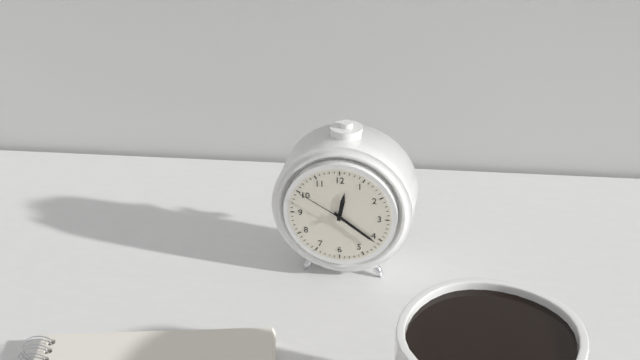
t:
**12:21:50**
